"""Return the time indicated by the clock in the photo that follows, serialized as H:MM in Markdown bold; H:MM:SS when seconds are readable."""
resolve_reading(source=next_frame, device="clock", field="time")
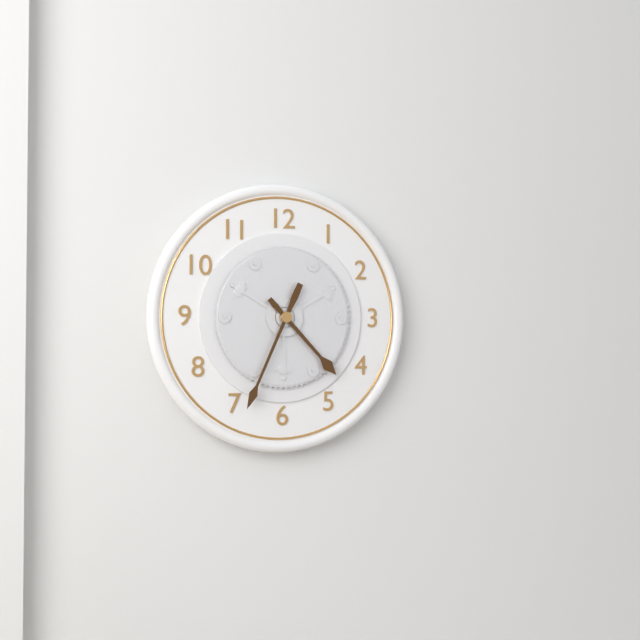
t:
**4:34**
